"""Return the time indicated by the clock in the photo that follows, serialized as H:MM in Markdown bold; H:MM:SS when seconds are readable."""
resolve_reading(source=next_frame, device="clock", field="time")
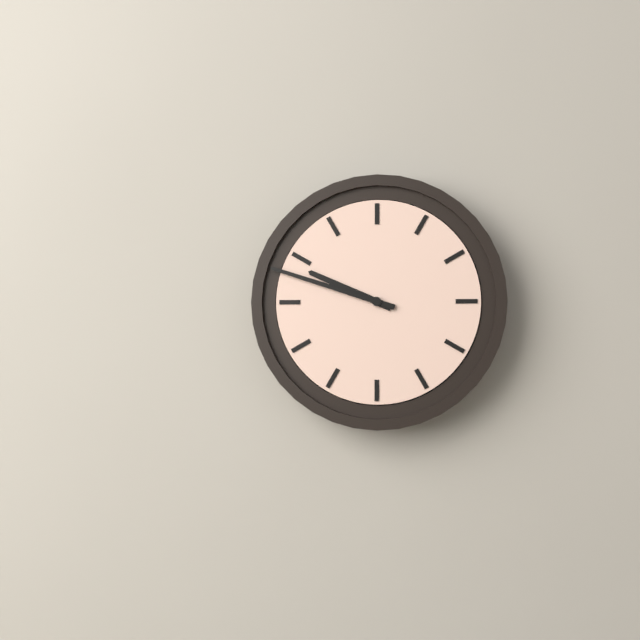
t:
**9:48**
